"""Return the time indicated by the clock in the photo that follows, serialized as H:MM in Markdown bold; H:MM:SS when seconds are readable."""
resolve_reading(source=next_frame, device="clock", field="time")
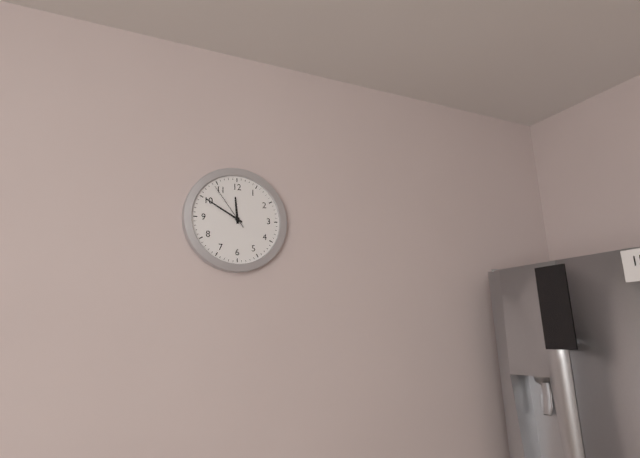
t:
**11:50:54**
